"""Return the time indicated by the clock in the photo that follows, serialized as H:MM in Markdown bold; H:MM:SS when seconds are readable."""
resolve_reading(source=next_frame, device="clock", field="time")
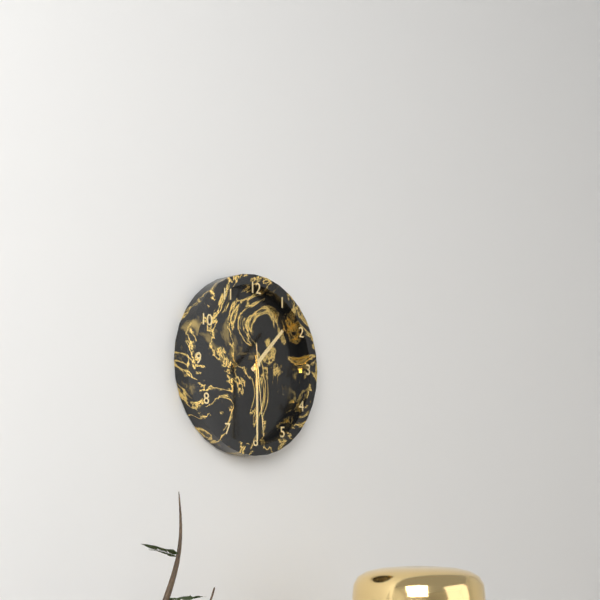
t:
**1:30:29**
